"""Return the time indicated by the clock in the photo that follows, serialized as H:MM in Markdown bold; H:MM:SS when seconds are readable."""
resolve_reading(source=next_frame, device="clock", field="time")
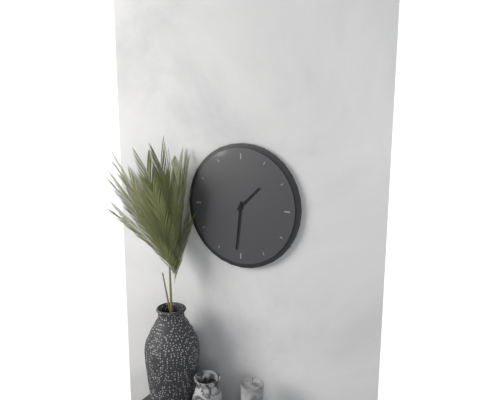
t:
**1:31**
